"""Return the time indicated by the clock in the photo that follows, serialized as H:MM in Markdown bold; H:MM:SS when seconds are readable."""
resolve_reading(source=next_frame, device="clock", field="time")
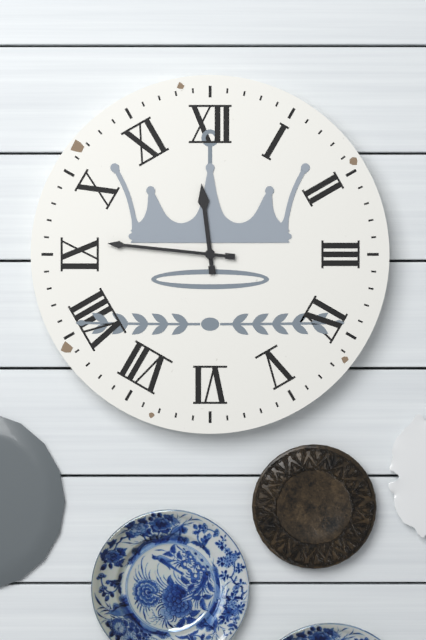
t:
**11:46**
